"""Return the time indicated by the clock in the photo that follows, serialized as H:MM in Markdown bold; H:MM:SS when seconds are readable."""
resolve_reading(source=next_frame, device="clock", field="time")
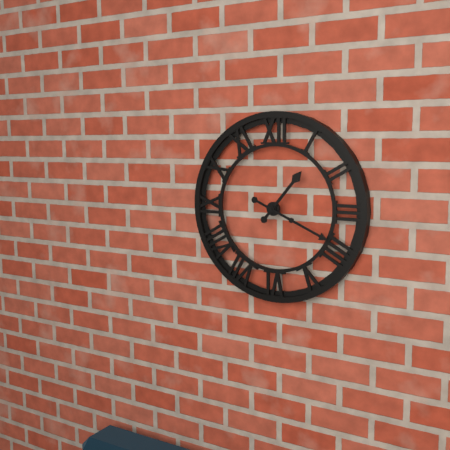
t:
**1:19**
